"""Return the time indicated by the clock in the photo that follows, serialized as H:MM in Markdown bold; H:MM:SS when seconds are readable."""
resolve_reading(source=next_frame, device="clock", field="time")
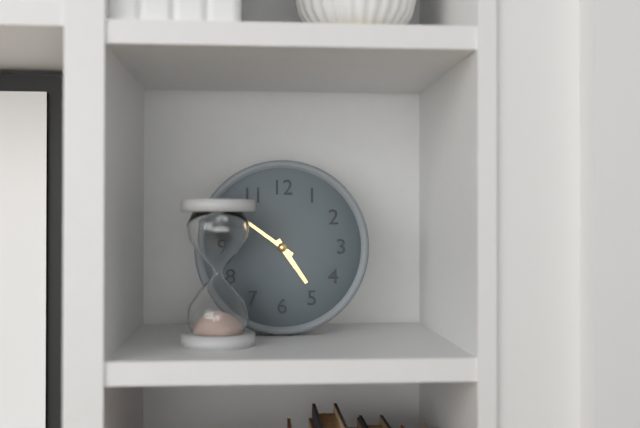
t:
**4:51**
